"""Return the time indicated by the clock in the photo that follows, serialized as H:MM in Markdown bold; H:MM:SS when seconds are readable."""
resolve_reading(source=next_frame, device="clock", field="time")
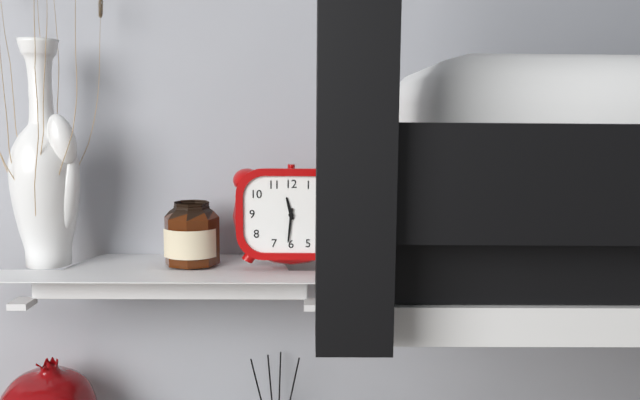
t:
**11:31**
